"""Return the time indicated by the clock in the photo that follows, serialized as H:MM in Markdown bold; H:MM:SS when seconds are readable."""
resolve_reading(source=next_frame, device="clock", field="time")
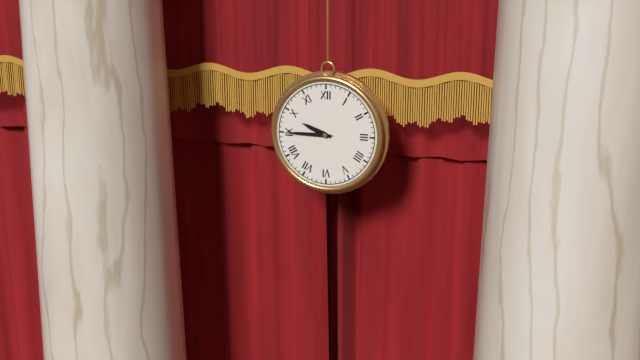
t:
**9:45**
